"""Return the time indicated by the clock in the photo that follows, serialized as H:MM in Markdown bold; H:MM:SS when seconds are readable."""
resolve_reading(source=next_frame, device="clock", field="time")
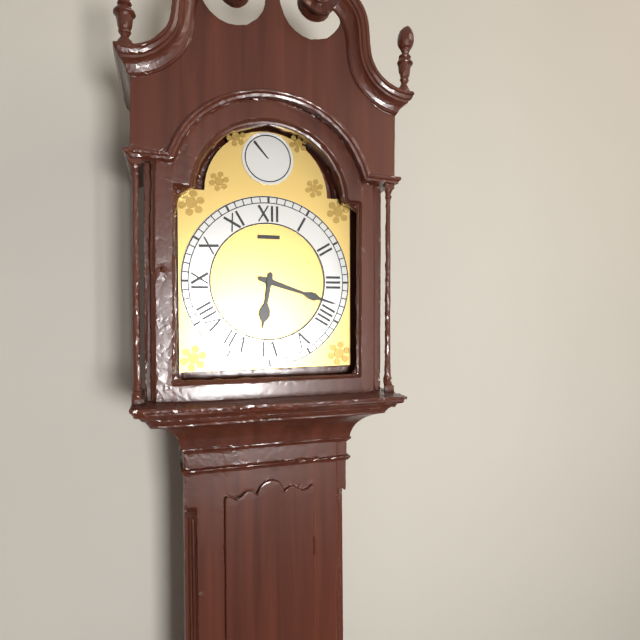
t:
**6:18**
